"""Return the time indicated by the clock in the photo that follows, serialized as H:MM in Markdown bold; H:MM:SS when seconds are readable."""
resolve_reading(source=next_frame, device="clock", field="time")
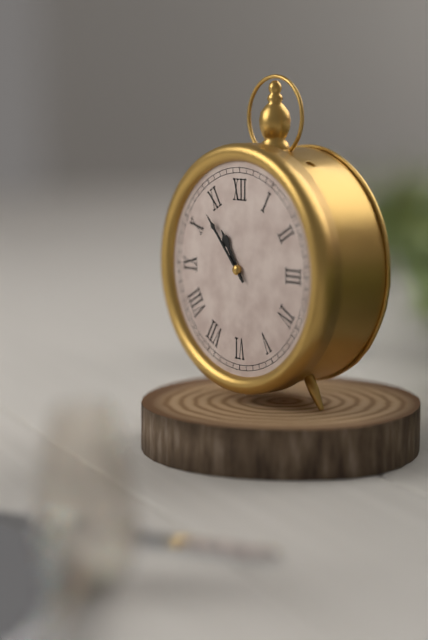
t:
**10:53**
